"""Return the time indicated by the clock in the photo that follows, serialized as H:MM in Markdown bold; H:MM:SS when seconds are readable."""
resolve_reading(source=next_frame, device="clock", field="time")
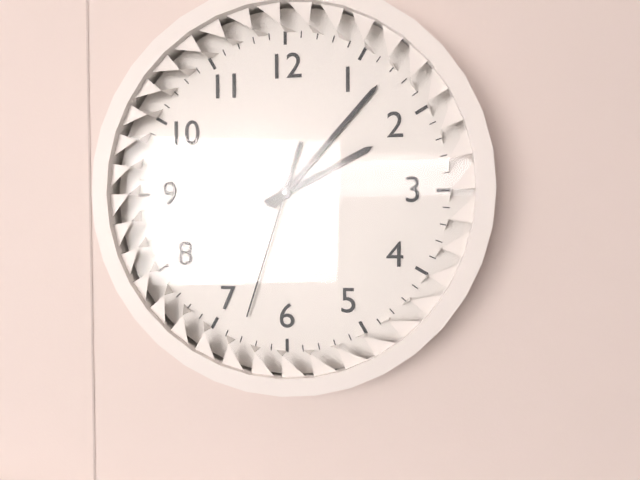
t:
**2:07:33**
